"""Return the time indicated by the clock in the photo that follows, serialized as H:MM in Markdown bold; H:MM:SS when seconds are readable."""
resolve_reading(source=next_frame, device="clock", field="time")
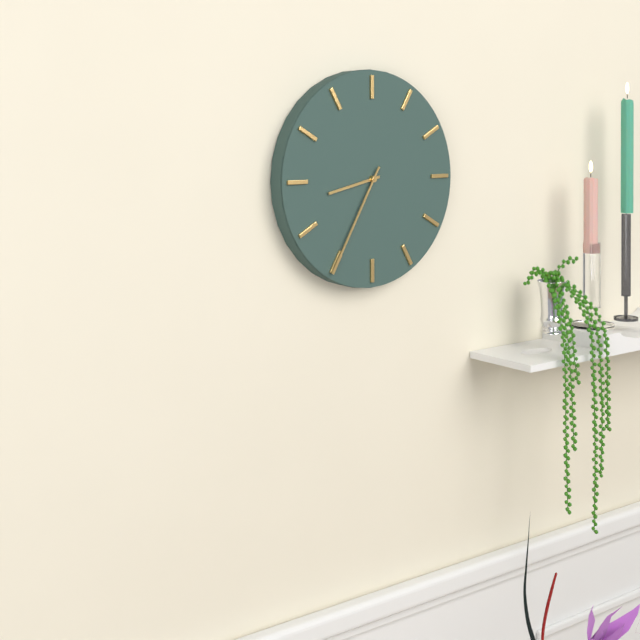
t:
**8:35**
